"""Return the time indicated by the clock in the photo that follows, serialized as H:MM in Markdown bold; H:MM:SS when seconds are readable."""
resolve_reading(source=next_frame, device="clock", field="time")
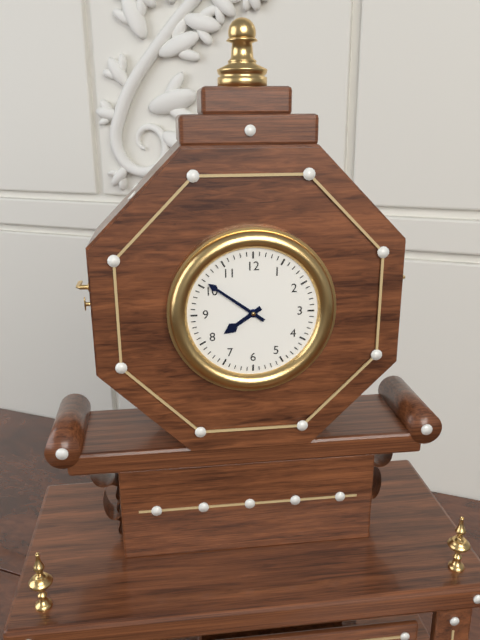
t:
**7:51**
